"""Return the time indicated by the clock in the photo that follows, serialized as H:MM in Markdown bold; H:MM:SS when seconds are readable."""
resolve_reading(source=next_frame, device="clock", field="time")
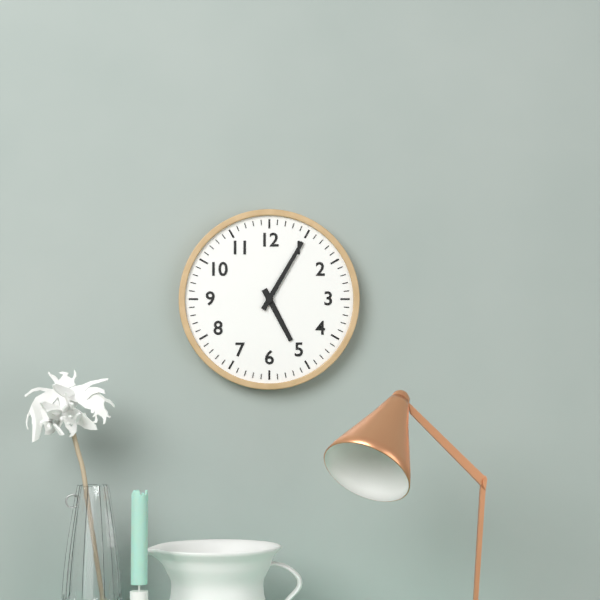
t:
**5:05**
